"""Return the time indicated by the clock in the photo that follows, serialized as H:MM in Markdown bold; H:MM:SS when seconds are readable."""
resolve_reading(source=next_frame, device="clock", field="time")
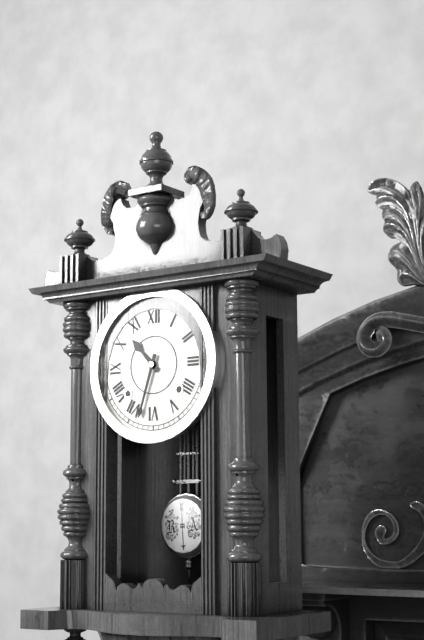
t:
**10:33**
